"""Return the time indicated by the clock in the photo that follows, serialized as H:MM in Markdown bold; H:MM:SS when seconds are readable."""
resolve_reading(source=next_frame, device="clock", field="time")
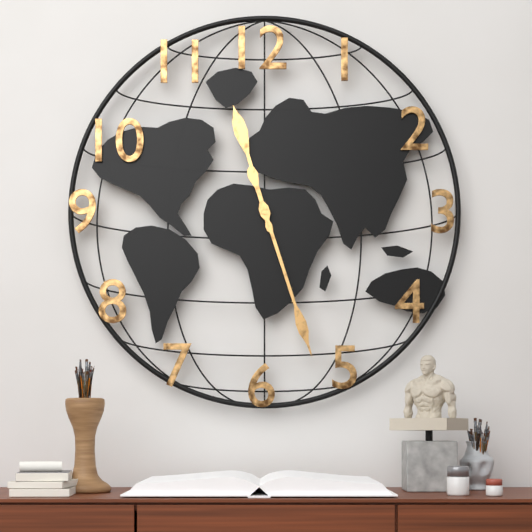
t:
**11:27**
